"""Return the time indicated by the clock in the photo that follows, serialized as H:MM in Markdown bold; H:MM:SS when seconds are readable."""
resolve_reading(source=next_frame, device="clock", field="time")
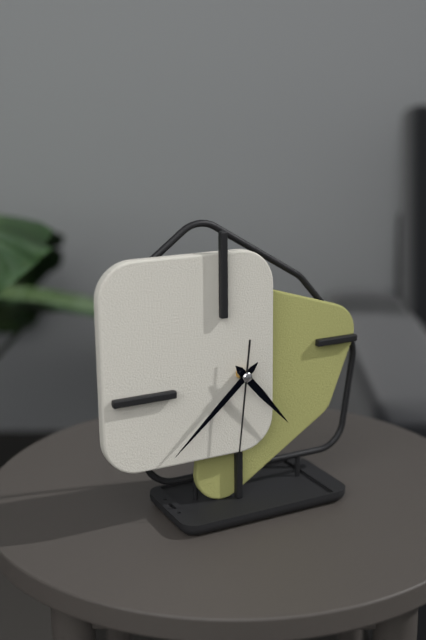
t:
**4:38:31**
